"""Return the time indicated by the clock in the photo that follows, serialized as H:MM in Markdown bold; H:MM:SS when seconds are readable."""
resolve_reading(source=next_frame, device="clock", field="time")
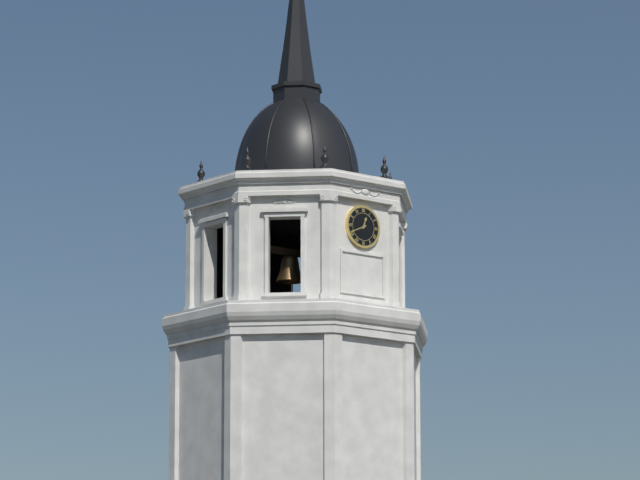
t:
**12:41**
